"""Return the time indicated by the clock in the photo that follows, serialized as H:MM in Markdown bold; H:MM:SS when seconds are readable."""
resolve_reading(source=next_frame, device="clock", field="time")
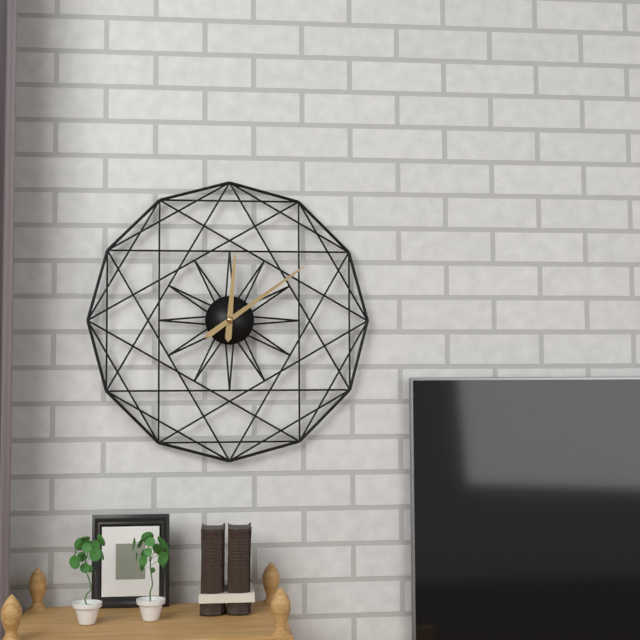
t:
**12:09**
